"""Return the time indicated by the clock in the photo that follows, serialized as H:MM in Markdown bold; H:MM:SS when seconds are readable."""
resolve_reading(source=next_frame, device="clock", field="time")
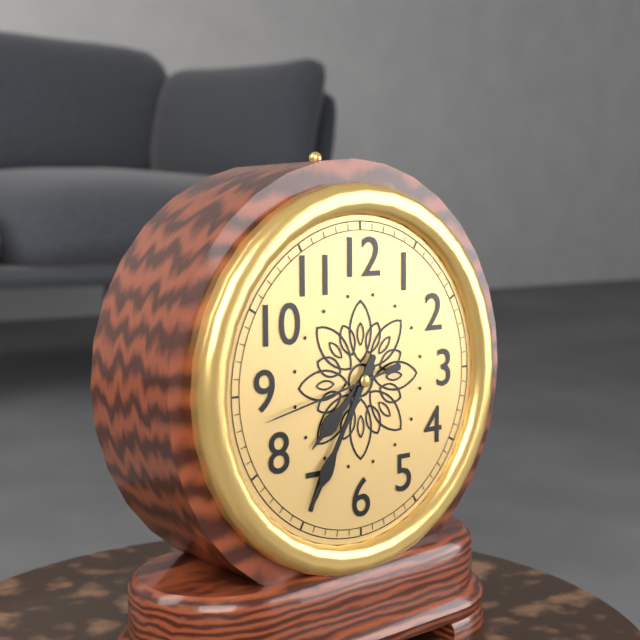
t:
**7:35:43**
